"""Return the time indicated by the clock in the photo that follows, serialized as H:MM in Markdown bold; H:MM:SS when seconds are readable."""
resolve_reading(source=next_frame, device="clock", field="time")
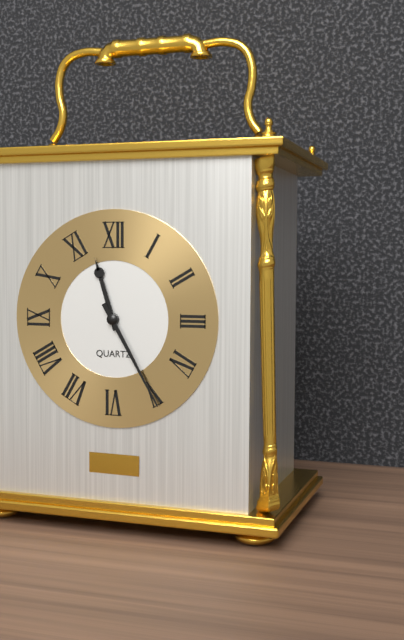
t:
**11:25**
